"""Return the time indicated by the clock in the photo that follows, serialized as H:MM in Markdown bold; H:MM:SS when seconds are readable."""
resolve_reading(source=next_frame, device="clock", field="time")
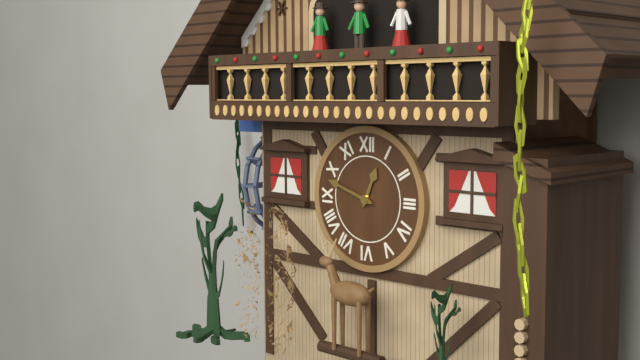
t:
**12:48**
